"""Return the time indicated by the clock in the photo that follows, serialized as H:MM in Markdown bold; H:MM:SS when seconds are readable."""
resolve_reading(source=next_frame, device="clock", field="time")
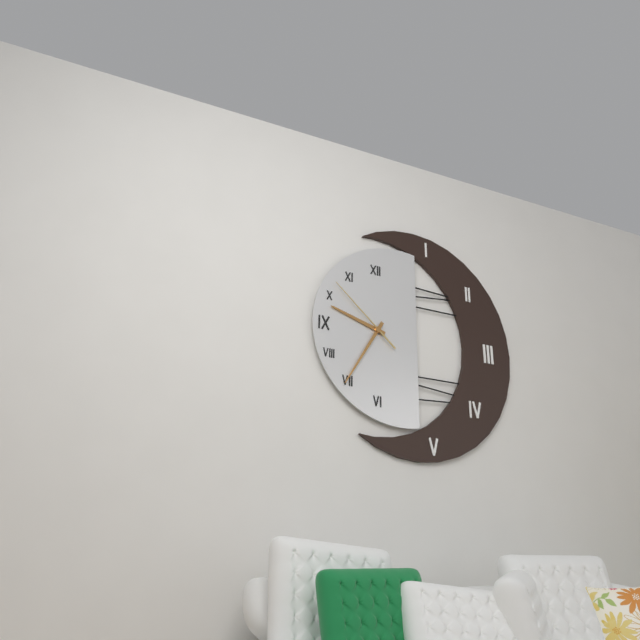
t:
**9:35:52**
